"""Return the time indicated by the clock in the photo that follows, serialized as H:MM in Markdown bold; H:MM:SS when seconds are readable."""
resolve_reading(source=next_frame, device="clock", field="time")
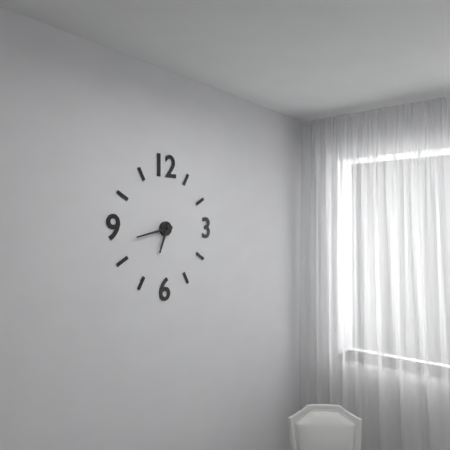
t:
**6:43**
